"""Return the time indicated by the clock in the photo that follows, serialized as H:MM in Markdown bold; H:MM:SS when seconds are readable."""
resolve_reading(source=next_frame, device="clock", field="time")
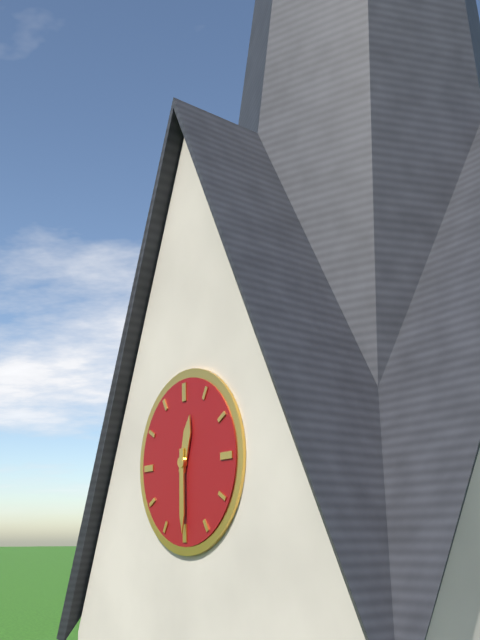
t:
**12:30**
